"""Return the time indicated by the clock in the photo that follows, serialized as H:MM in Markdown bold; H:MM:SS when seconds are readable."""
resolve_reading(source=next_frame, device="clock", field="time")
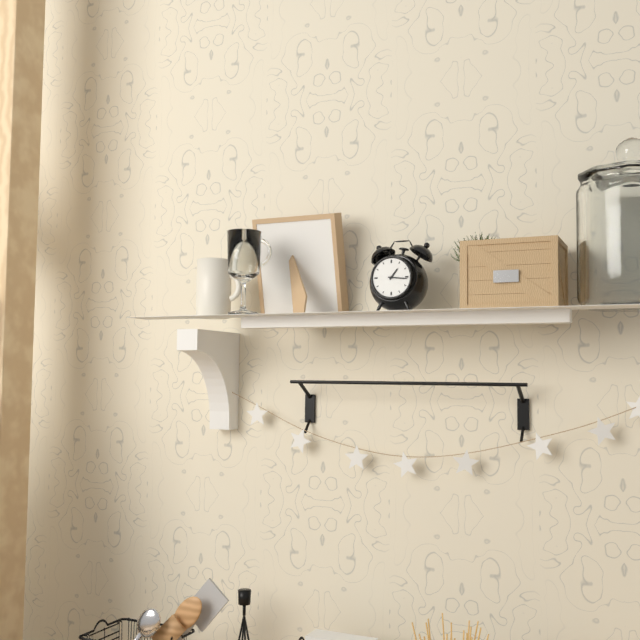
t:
**1:16**
